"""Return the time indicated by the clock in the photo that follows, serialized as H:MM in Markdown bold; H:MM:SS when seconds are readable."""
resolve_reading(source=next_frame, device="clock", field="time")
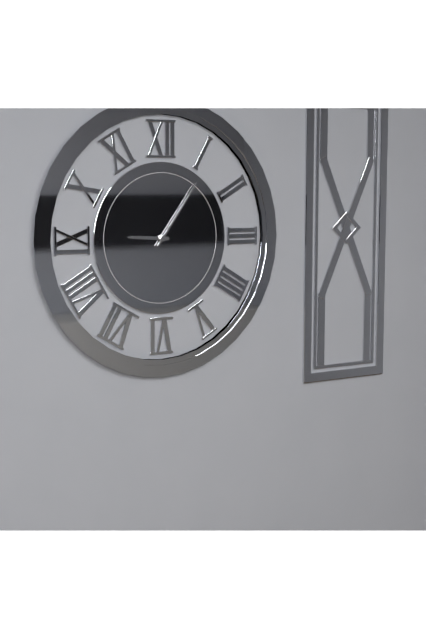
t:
**9:06**
